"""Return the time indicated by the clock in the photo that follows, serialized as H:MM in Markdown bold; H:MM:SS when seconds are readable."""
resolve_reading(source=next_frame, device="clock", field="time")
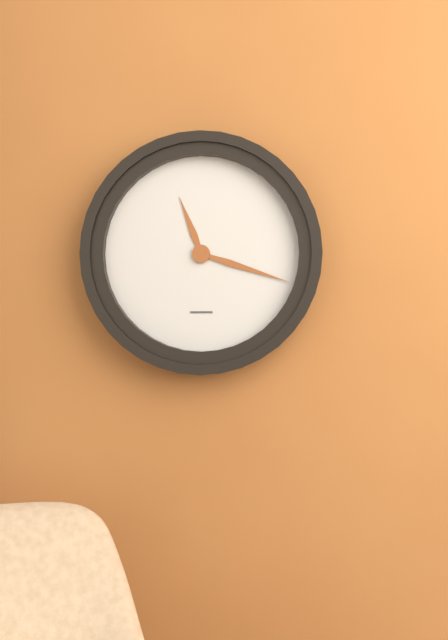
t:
**11:18**
